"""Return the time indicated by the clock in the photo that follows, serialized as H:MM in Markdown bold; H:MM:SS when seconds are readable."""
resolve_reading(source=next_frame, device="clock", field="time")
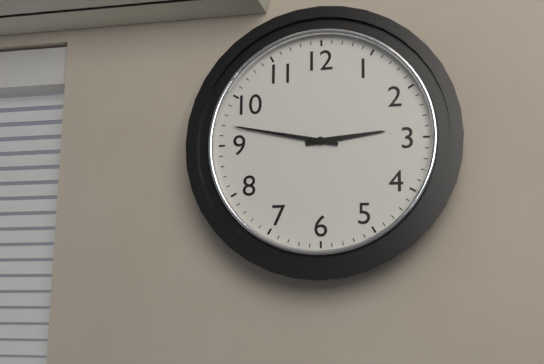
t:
**2:47**
